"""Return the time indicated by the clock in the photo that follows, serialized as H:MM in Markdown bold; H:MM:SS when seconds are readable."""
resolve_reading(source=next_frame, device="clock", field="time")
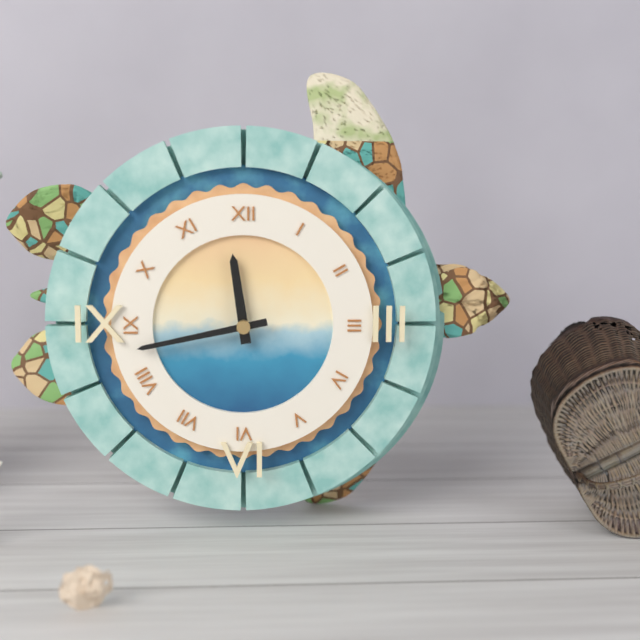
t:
**11:43**
